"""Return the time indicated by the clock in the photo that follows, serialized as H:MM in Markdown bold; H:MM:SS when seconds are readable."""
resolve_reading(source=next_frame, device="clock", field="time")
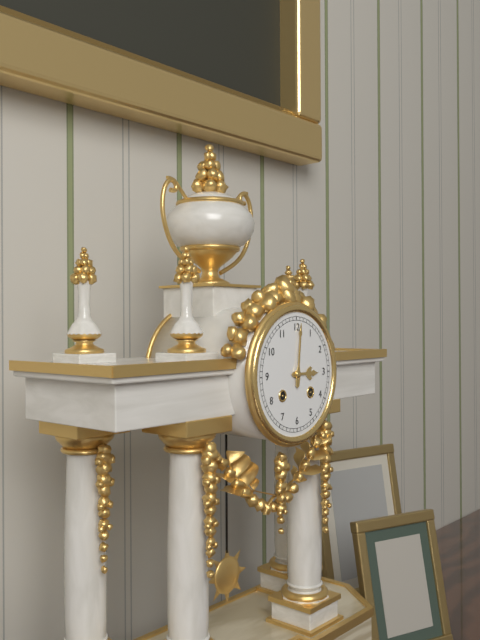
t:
**3:01**
